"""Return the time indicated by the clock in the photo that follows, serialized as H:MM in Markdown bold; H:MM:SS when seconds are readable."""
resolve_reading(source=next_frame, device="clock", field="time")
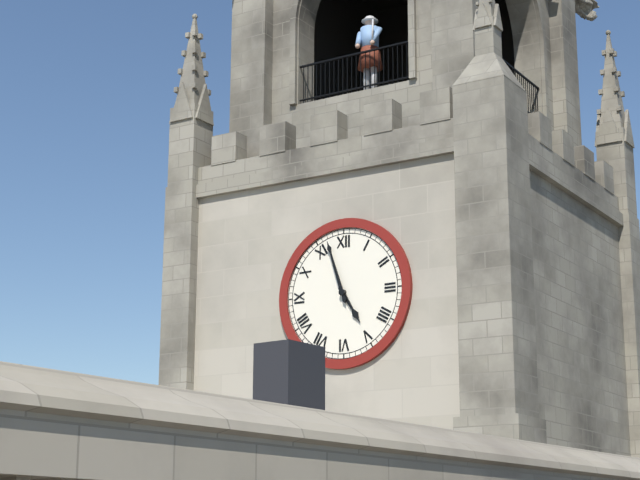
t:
**4:57**
